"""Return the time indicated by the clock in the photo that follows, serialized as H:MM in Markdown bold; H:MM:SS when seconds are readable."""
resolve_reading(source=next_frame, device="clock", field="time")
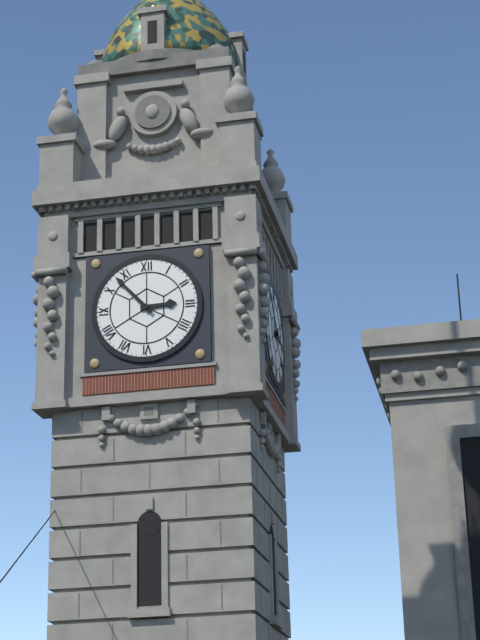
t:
**2:53**
